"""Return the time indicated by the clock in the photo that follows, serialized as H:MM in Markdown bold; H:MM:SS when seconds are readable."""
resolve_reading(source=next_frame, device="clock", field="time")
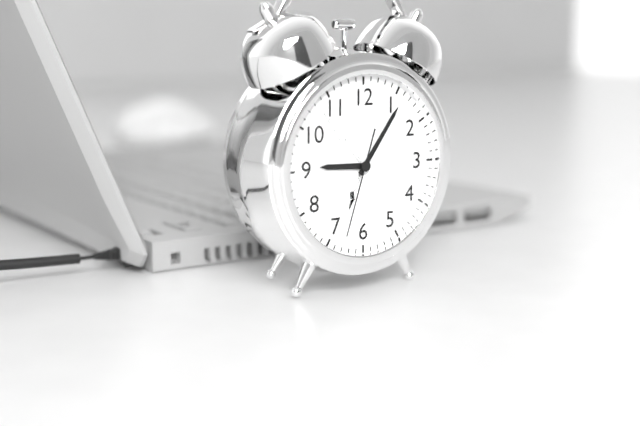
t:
**9:06:33**
